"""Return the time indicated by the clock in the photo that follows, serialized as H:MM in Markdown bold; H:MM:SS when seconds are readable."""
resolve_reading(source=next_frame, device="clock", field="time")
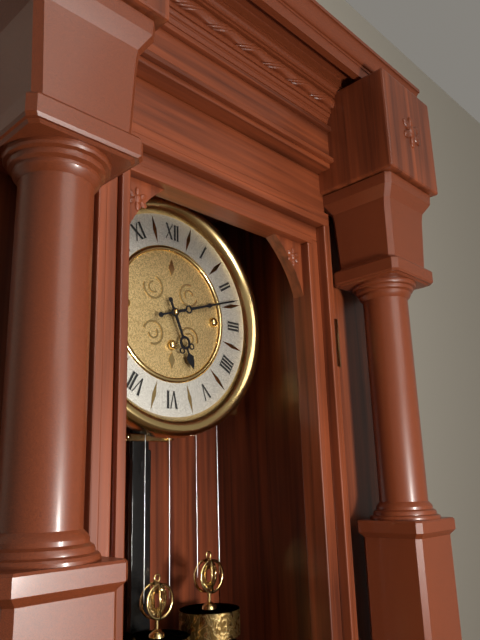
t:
**5:12**
